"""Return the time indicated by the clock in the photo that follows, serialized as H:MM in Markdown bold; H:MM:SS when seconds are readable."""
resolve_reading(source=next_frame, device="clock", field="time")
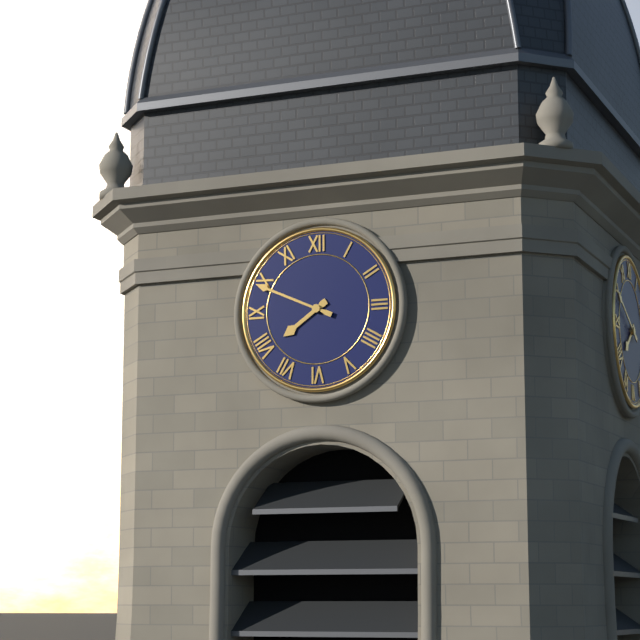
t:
**7:49**
